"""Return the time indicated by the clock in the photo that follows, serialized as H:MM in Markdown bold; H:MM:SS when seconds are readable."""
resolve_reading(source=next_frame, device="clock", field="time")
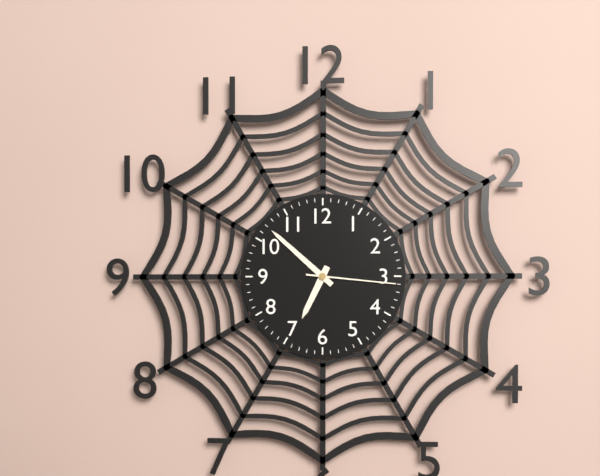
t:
**6:52:16**
